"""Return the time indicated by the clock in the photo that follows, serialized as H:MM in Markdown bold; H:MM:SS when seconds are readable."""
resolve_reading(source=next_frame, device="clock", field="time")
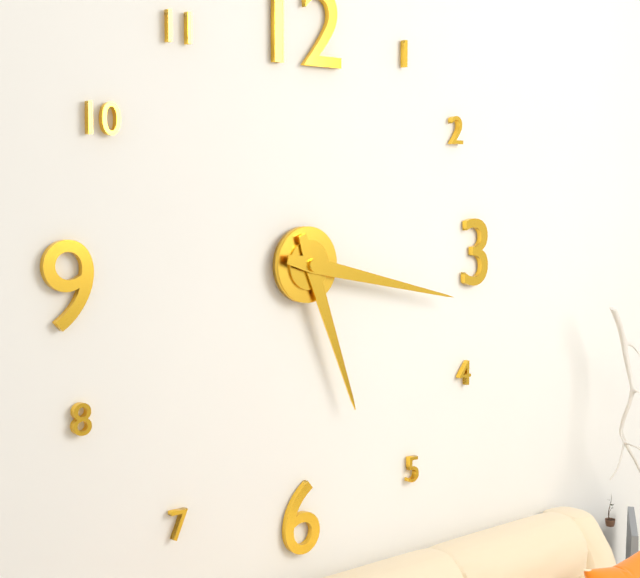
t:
**5:17**
